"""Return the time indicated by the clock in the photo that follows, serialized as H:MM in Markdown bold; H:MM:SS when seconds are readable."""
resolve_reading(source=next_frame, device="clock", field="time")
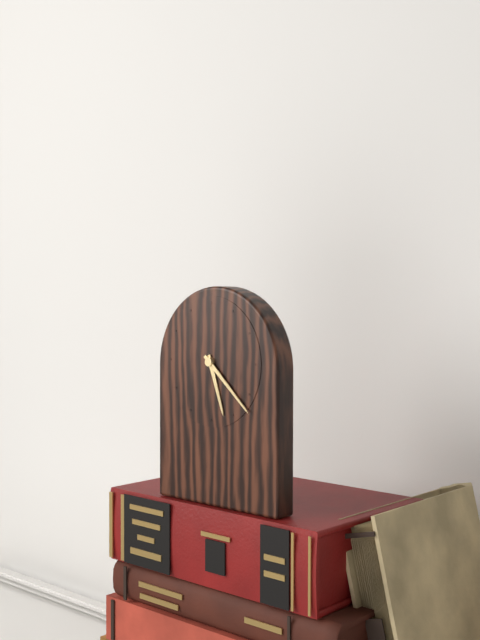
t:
**5:22**
